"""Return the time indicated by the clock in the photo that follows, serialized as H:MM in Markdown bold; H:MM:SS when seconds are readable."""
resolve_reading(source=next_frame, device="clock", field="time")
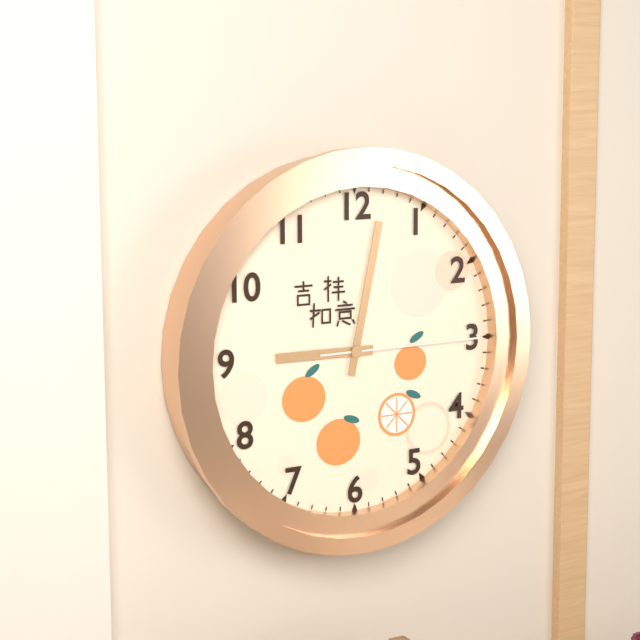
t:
**9:02:15**
